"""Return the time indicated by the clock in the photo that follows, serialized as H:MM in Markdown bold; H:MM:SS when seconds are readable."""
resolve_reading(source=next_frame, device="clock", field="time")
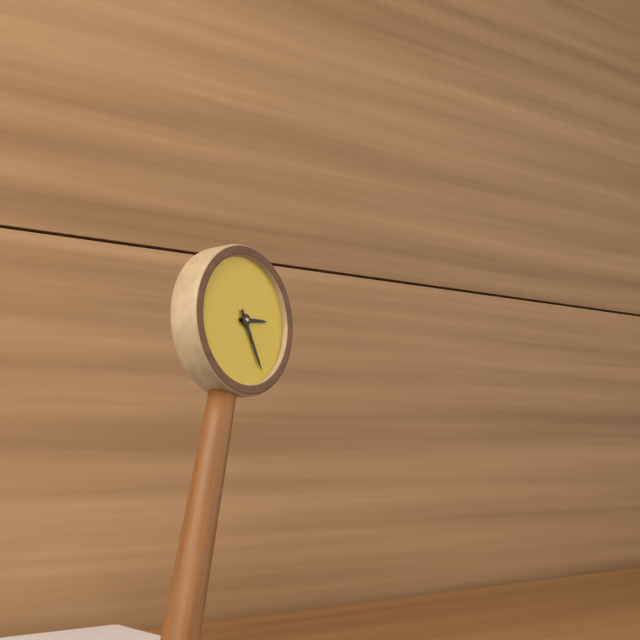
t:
**2:23**
